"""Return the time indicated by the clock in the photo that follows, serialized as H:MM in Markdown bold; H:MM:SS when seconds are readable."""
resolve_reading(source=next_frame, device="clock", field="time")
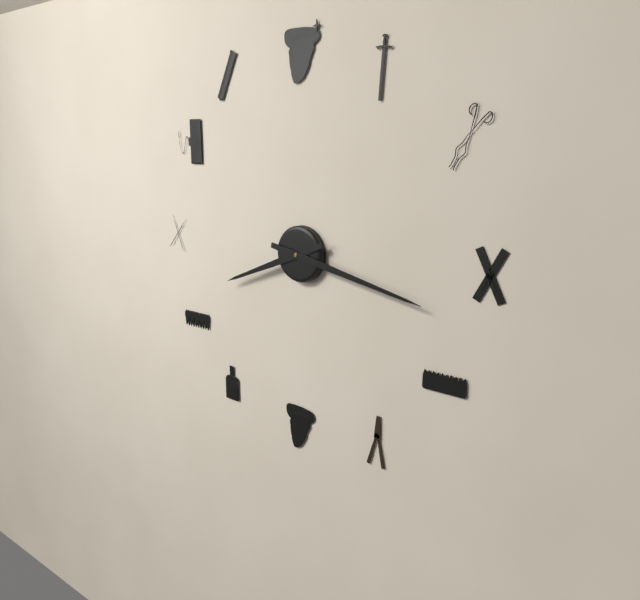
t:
**8:17**
